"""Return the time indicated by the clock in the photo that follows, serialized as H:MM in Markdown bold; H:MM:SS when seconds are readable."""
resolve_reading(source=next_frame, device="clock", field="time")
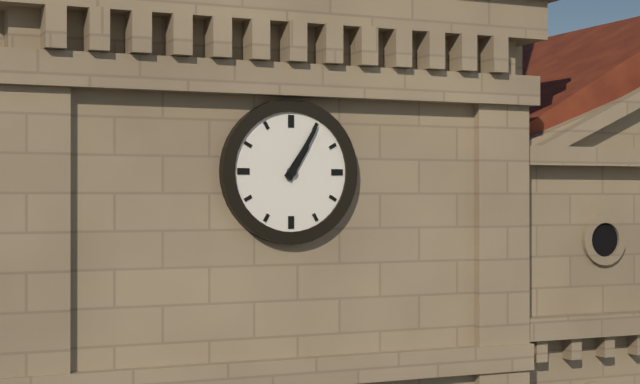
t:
**1:05**
